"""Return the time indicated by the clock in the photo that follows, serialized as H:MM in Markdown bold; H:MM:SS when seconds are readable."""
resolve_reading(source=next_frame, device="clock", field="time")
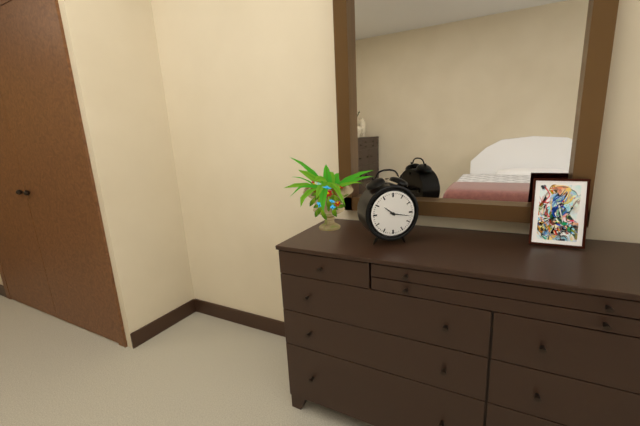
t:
**10:17**
